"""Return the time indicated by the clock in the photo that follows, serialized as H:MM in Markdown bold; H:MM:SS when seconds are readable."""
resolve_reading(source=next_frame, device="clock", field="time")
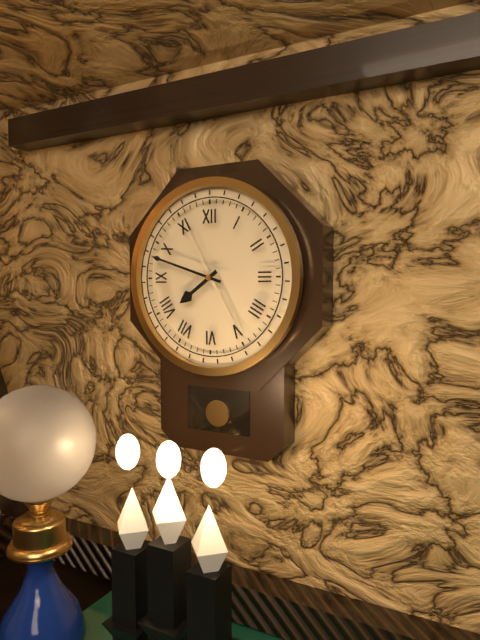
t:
**7:48**
